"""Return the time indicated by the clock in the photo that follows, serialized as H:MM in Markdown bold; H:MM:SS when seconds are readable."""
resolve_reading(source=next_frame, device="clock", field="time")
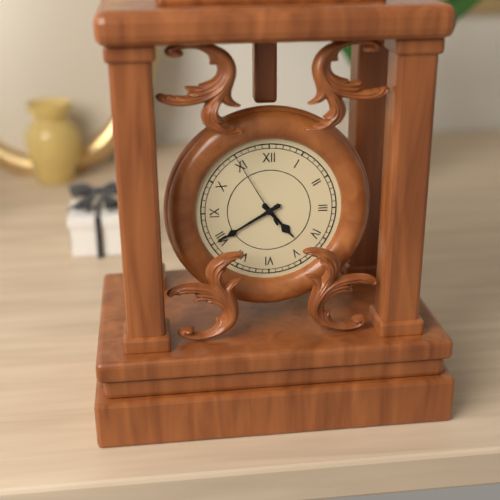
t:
**4:40:55**
